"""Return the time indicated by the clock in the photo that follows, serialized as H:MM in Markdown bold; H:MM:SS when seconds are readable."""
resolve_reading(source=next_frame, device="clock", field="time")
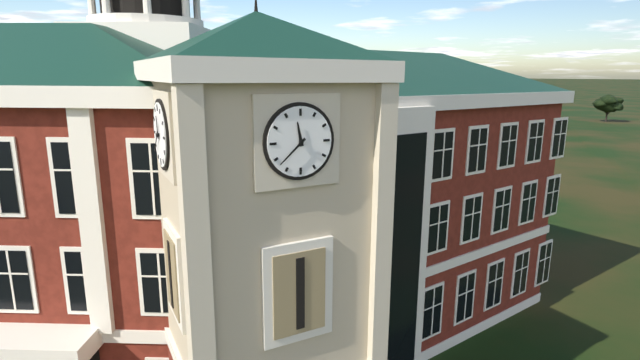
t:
**11:38**
